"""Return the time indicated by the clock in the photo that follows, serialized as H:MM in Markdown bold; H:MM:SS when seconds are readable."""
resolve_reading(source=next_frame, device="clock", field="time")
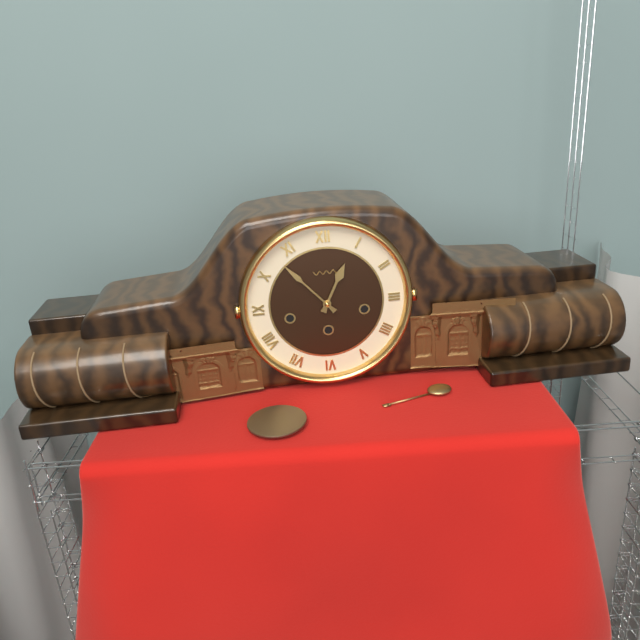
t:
**12:53**
